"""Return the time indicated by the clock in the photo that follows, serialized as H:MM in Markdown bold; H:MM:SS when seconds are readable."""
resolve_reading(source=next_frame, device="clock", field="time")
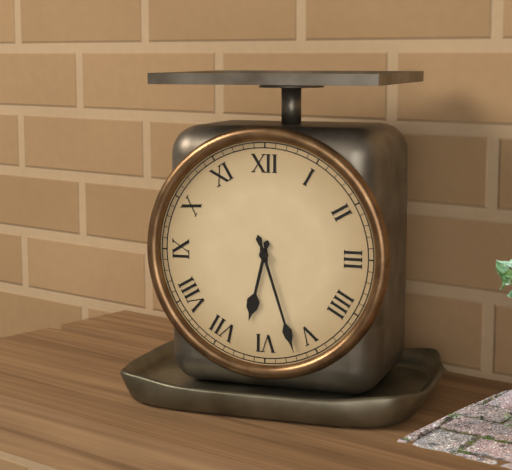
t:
**6:27**
